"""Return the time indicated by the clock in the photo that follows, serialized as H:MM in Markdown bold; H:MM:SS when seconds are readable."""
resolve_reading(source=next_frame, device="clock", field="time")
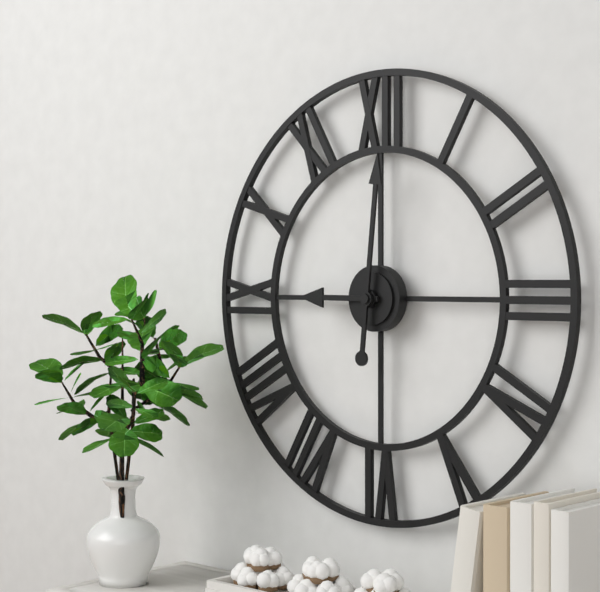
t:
**9:01**
